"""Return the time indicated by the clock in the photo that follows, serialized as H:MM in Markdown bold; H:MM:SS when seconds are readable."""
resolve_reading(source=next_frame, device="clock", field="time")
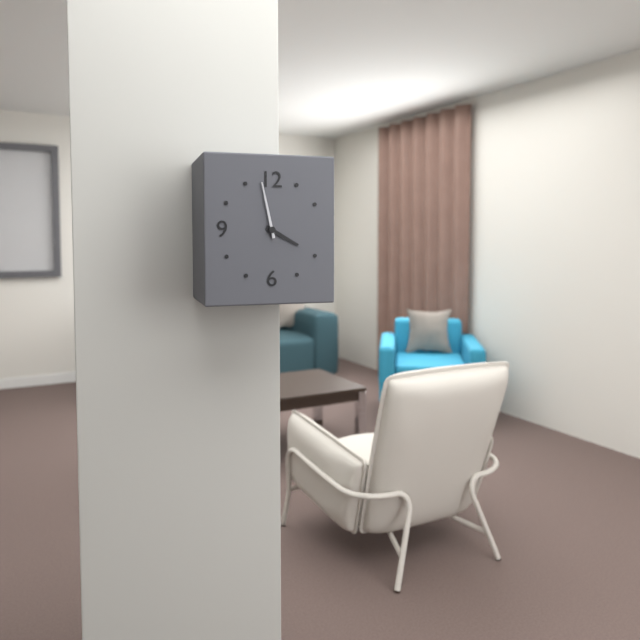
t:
**3:58**
